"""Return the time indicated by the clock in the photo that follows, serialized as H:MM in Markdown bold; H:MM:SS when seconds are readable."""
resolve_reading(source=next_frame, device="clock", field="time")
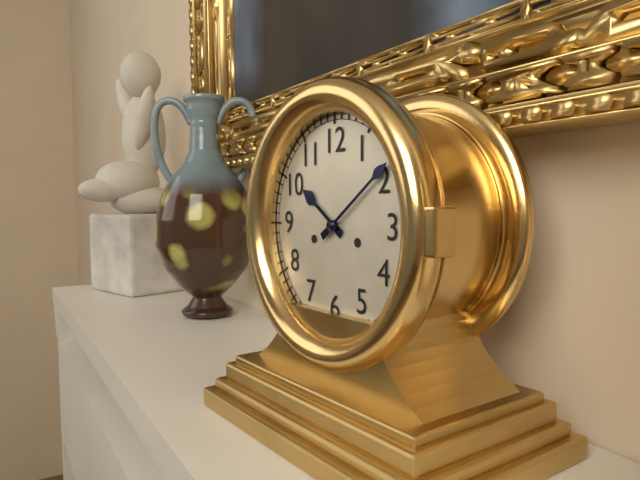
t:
**10:09**
